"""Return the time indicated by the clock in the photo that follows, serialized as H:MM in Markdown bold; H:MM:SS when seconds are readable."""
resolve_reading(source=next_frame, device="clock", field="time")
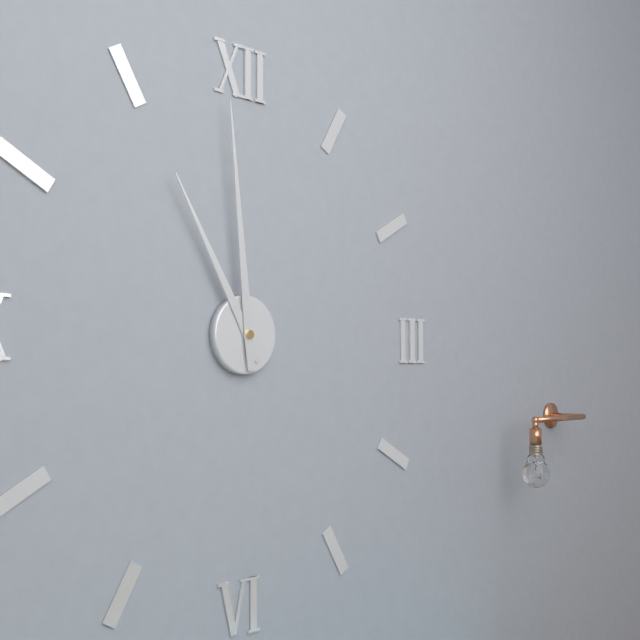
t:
**10:59**
